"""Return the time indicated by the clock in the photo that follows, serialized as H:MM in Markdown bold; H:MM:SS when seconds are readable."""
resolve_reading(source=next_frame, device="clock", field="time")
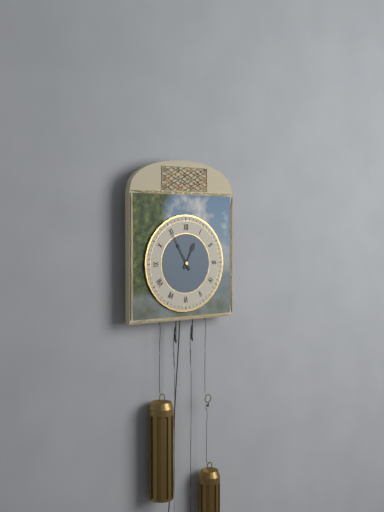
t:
**12:55**
